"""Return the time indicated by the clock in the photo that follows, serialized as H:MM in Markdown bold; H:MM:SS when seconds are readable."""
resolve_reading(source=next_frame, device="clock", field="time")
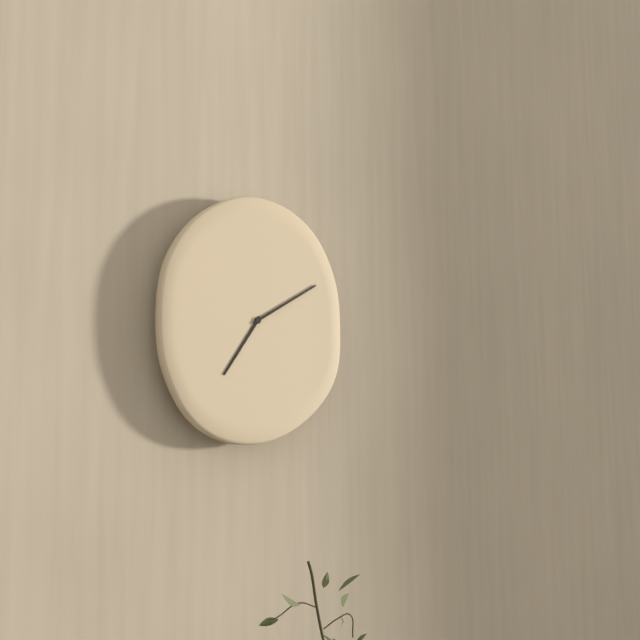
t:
**7:10**
